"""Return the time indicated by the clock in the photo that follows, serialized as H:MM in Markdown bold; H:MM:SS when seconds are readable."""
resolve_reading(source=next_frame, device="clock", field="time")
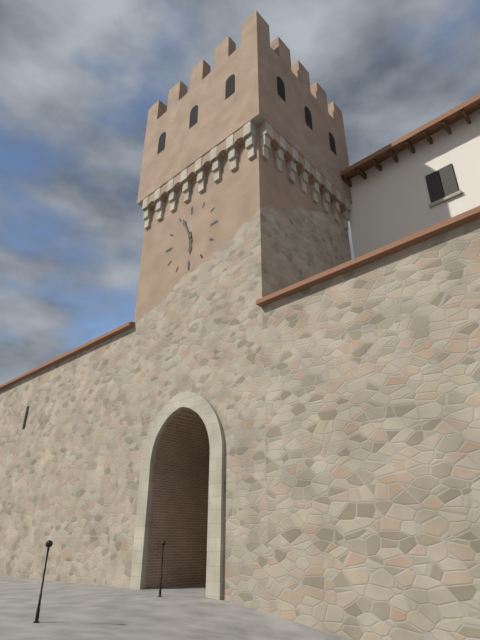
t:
**5:56**
